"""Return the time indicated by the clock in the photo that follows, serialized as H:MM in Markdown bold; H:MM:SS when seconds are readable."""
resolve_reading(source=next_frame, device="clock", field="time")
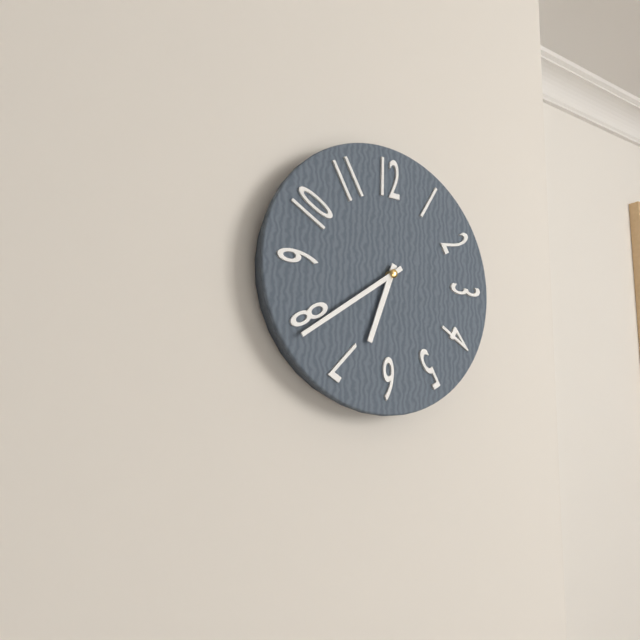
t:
**6:39**
